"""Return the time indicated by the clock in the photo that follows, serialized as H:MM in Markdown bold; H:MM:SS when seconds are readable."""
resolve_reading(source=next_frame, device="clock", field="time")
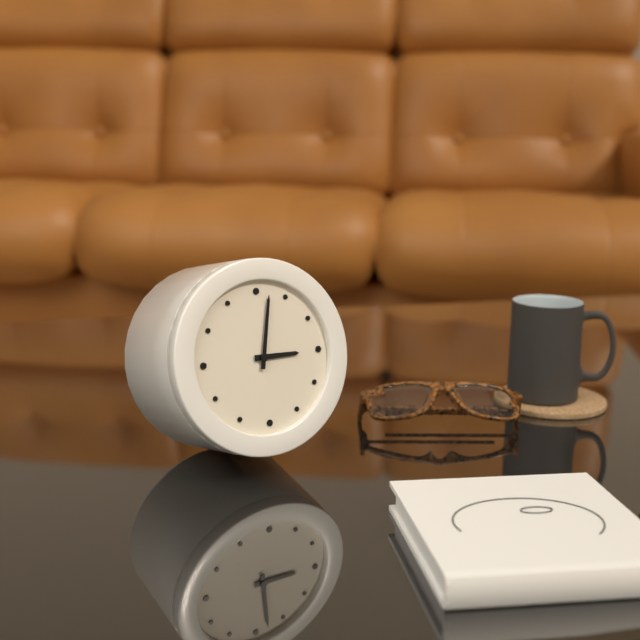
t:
**3:02**
